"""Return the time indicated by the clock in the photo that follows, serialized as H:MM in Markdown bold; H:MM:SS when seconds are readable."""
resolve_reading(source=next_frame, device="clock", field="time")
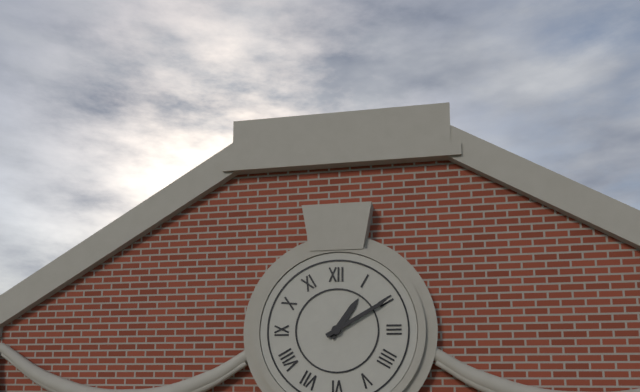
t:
**1:10**
